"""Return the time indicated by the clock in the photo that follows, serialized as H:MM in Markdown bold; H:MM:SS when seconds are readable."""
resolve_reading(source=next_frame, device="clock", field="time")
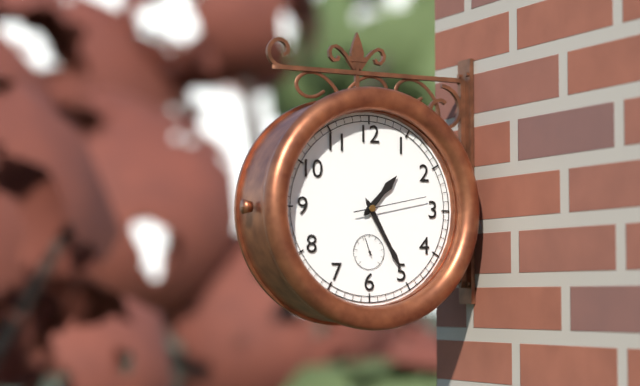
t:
**1:25:13**
